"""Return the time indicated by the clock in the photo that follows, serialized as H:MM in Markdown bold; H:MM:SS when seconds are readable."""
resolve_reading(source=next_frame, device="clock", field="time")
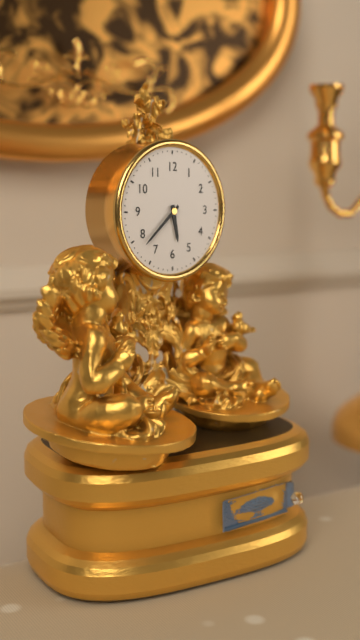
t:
**5:38**
